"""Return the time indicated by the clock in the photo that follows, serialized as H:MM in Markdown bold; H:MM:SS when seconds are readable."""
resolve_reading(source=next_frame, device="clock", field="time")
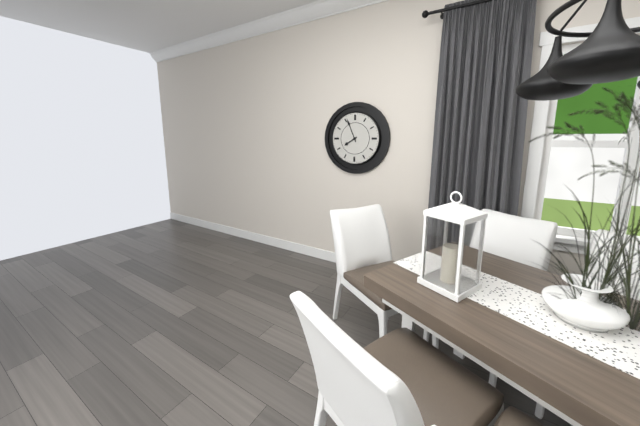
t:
**7:56**
